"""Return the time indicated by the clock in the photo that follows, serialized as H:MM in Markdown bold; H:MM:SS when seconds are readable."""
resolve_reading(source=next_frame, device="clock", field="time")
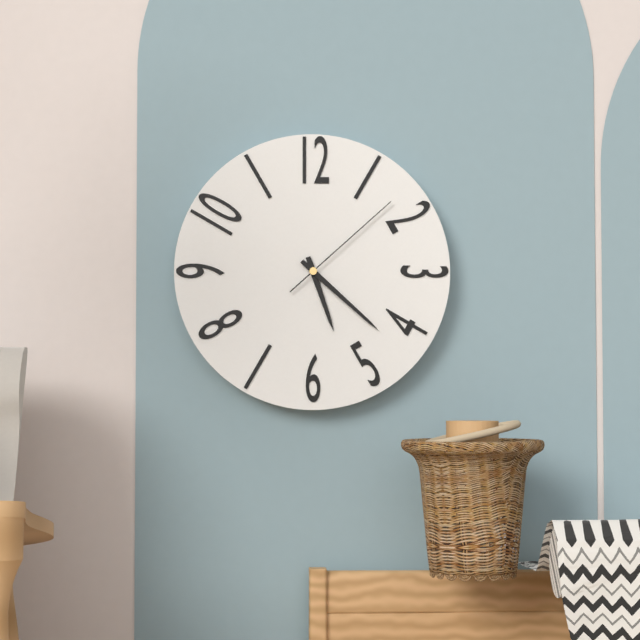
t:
**5:22:08**
